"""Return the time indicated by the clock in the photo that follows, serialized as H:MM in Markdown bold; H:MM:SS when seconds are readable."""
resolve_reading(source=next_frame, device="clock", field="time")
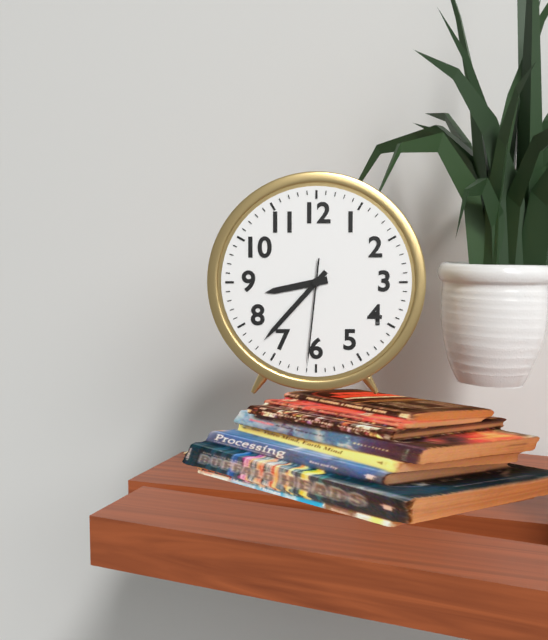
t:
**8:37:31**
